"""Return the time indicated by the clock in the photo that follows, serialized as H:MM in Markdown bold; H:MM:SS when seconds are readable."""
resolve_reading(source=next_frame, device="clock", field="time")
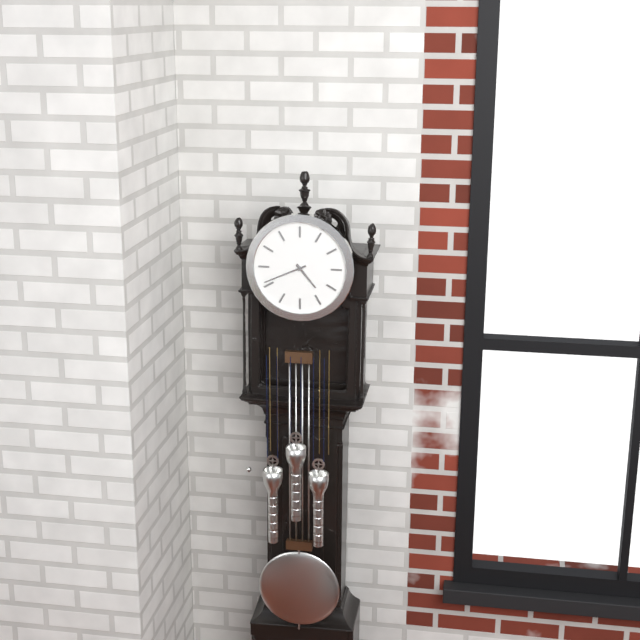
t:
**4:41**
